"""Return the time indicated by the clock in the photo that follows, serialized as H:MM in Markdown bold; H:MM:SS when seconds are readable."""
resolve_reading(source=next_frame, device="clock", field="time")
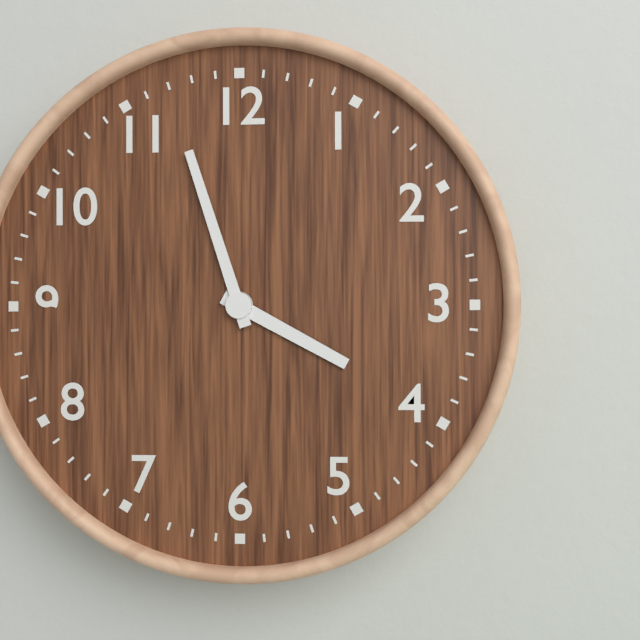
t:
**3:57**
